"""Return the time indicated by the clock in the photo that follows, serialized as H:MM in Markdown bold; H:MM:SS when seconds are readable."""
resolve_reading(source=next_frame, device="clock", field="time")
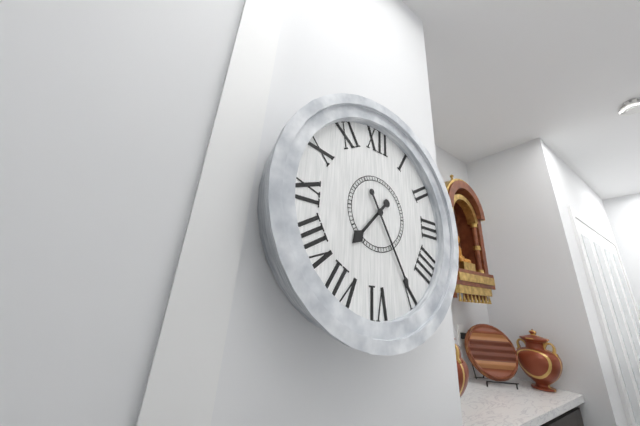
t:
**7:25**
